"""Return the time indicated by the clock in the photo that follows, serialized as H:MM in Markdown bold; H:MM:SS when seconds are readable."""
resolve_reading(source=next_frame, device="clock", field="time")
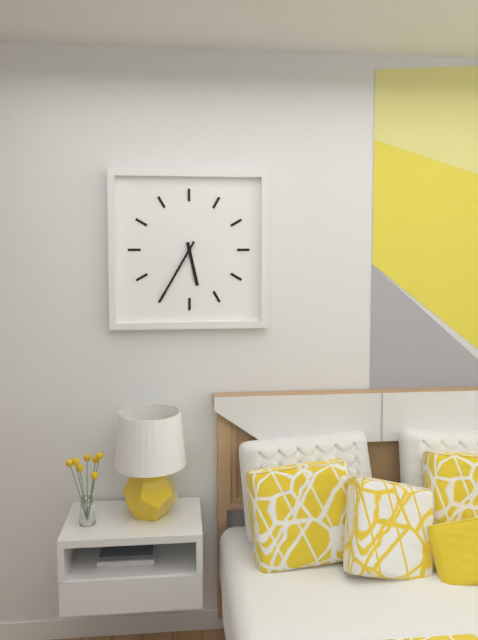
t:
**5:35**
